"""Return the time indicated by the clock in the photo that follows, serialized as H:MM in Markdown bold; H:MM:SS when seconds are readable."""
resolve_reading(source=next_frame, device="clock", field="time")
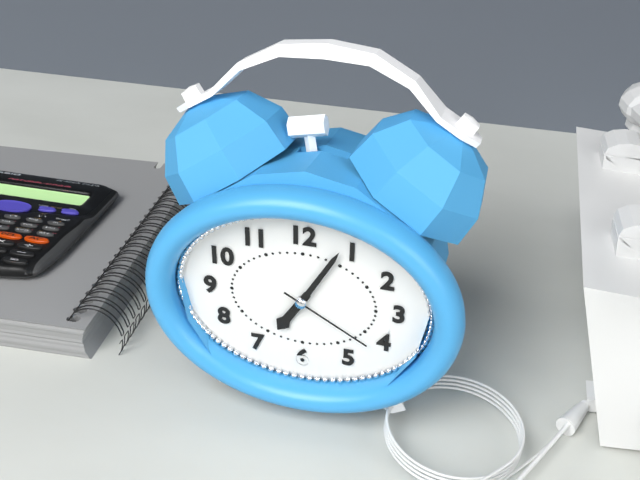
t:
**7:05:20**
